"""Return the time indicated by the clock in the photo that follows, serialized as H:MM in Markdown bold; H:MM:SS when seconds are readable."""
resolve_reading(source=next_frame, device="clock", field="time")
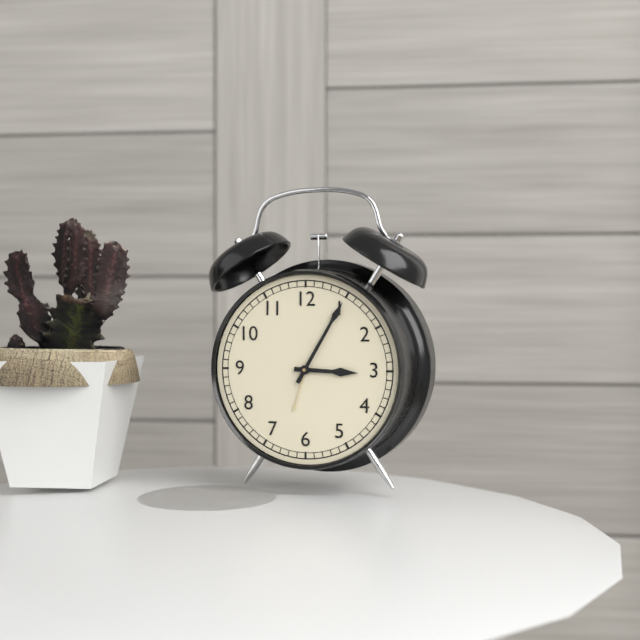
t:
**3:05**
